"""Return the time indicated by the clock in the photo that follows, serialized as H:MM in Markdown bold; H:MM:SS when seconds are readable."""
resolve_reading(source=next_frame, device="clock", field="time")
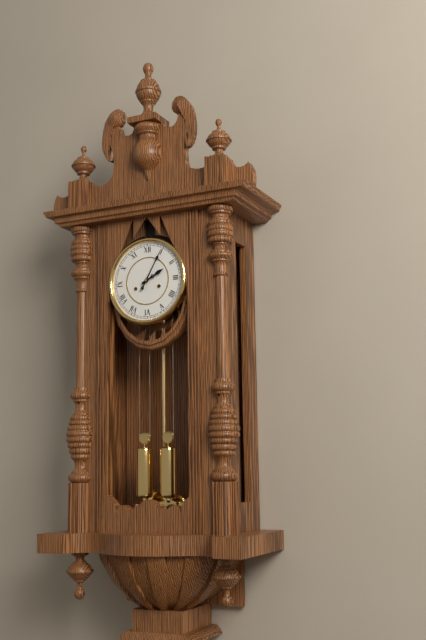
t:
**2:05**
